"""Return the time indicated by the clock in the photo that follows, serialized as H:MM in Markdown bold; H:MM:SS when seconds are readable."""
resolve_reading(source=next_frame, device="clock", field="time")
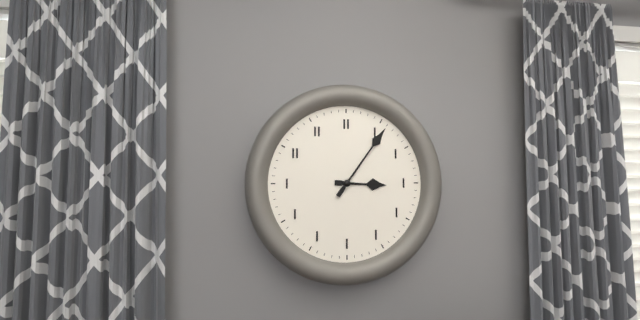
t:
**3:06**
